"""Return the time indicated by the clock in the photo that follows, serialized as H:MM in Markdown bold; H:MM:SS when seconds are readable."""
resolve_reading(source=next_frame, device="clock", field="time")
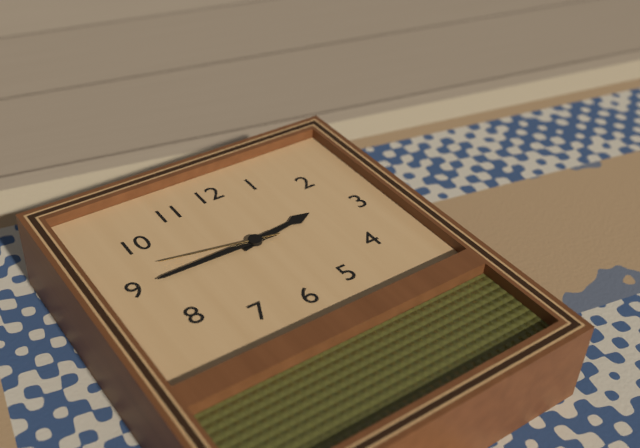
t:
**2:45:47**
